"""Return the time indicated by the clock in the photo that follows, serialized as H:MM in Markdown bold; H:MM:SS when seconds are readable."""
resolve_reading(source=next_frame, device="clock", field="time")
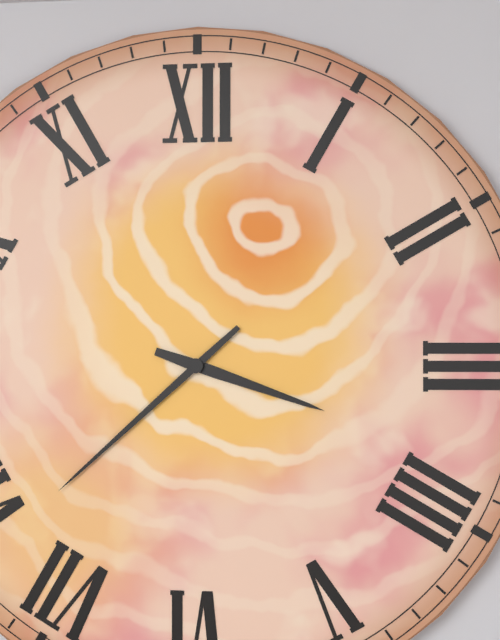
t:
**3:38**
